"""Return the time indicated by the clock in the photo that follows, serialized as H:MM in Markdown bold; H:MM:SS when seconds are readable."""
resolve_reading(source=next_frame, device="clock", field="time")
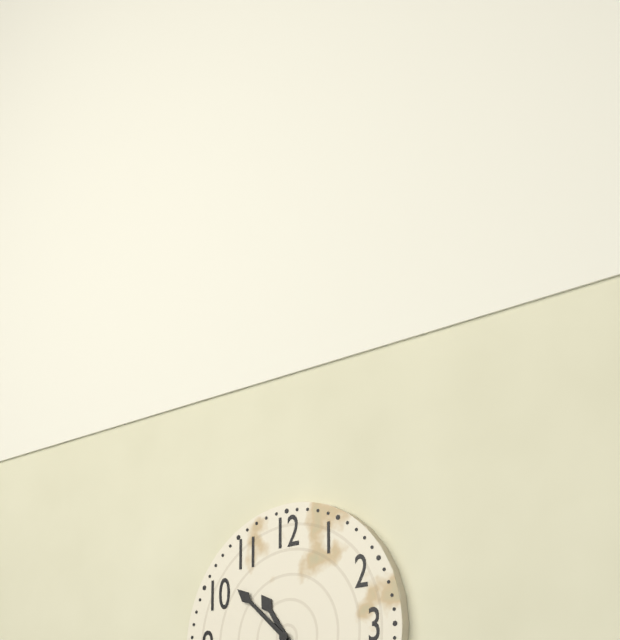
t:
**10:52**
